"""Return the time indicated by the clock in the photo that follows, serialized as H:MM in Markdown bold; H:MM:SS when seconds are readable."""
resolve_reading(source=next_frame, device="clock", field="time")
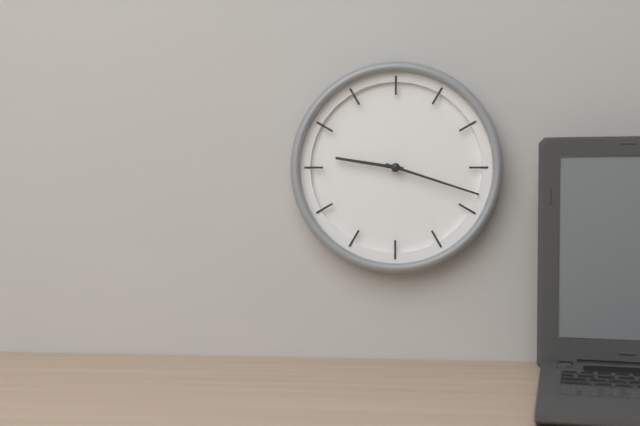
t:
**9:18**
